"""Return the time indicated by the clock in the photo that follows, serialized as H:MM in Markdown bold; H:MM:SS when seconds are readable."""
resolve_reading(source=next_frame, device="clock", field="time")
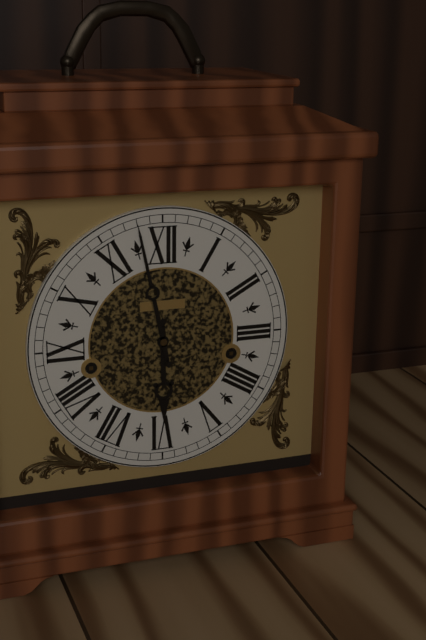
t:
**5:58**
